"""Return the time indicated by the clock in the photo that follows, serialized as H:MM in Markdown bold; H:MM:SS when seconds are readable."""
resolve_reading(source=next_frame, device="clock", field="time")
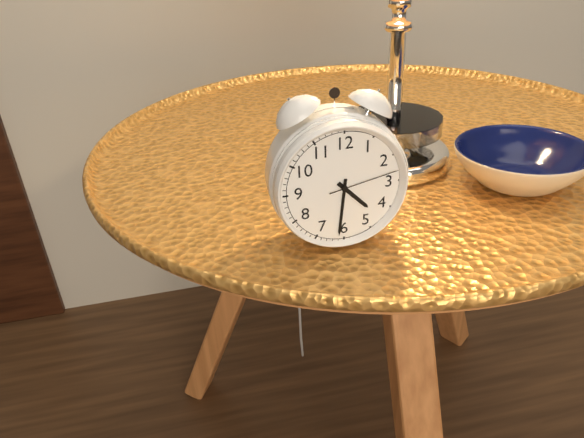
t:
**4:31:13**
